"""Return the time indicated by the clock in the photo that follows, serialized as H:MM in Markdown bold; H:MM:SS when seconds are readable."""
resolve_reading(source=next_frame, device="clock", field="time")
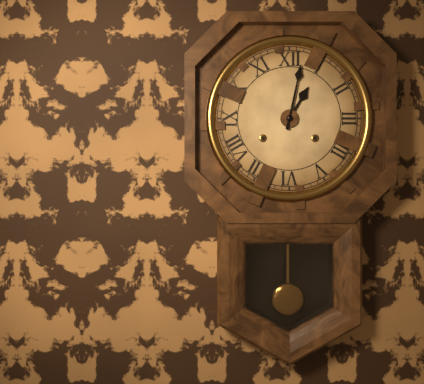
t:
**1:02**
